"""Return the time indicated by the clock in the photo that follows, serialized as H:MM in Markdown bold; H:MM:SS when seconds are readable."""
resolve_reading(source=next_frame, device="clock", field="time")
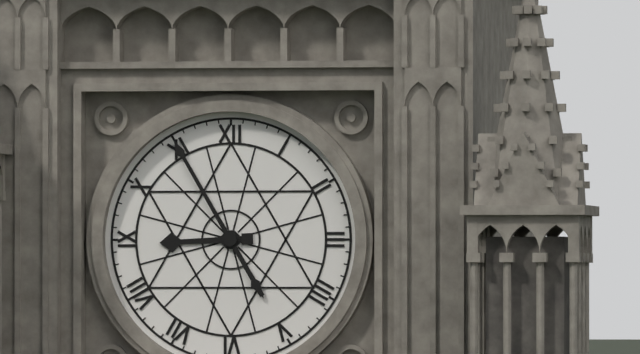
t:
**8:55**
